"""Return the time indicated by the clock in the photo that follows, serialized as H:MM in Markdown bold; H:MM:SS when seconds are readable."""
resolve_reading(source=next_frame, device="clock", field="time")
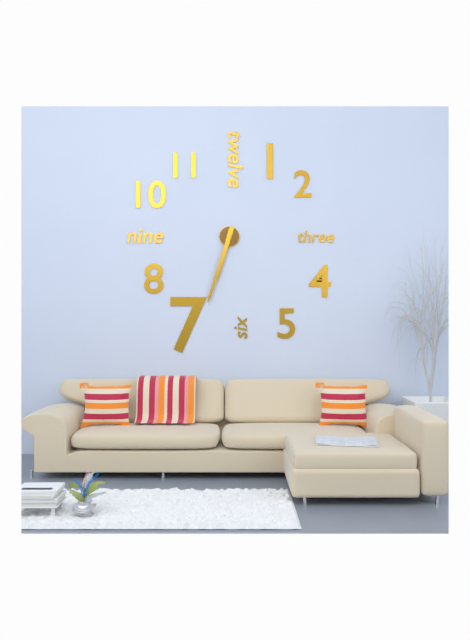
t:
**6:33**
